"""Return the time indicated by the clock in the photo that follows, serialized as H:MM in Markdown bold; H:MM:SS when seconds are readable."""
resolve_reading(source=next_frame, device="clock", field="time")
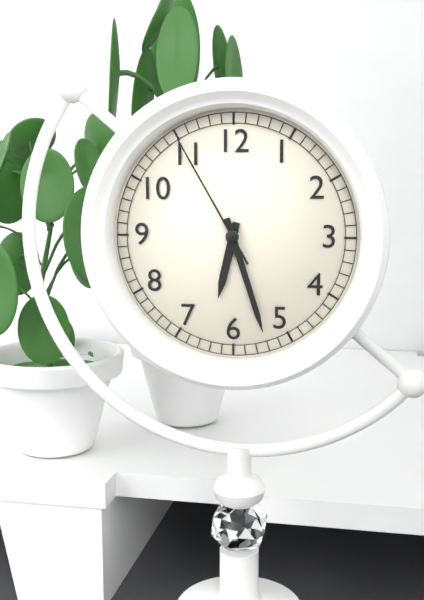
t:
**6:27:55**
